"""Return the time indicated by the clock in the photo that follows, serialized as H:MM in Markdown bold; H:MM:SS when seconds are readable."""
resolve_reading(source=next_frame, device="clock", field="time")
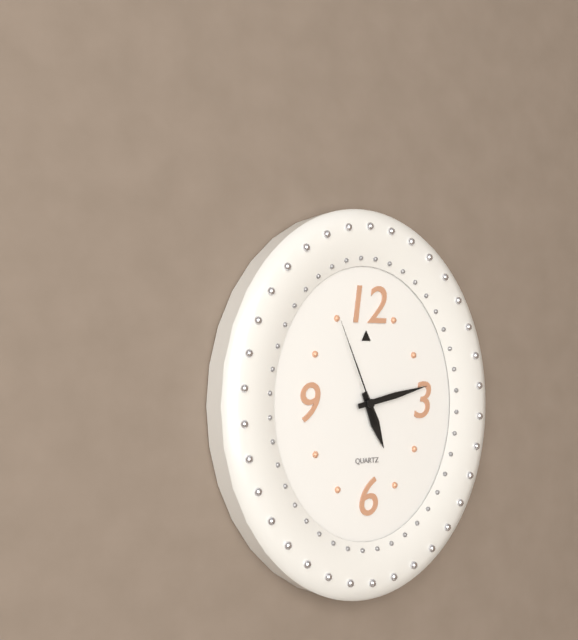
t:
**5:13:56**
